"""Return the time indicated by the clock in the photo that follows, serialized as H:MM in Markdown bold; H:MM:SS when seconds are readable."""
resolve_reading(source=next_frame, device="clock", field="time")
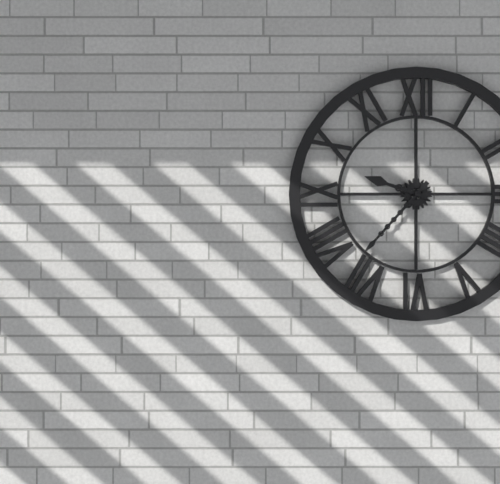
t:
**9:37**
